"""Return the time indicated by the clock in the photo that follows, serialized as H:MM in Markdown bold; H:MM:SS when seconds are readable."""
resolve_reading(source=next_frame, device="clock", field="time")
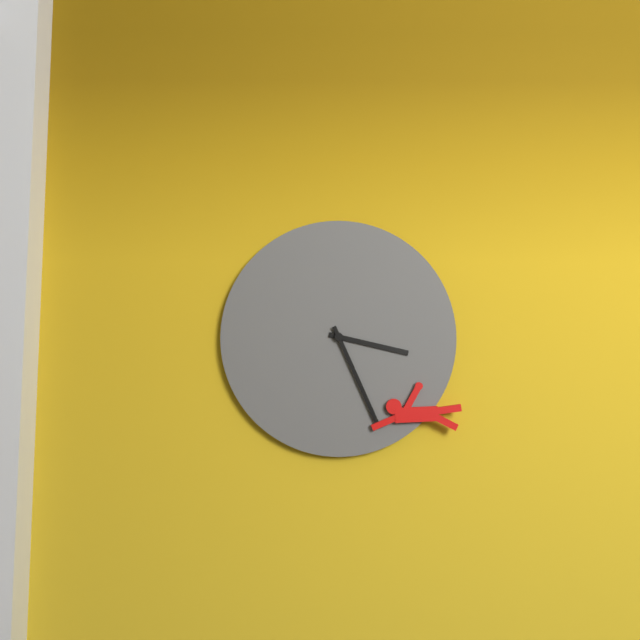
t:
**3:26**
